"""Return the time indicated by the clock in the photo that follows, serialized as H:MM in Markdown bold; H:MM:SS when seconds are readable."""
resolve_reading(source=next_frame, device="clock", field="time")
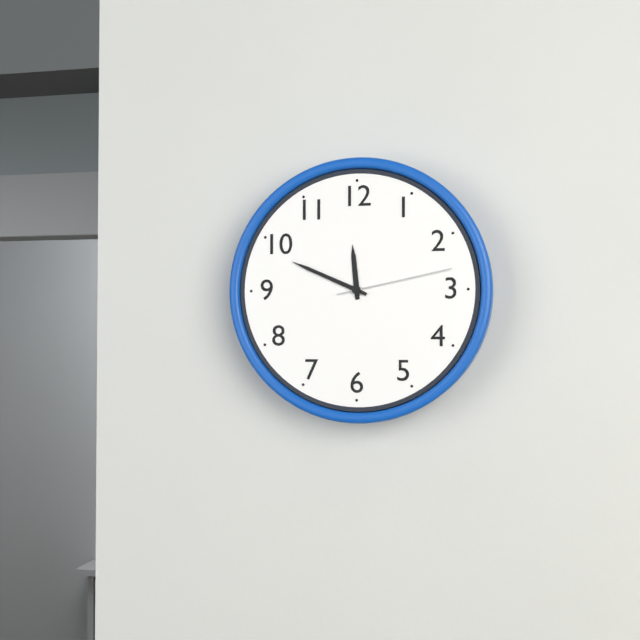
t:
**11:49:13**
